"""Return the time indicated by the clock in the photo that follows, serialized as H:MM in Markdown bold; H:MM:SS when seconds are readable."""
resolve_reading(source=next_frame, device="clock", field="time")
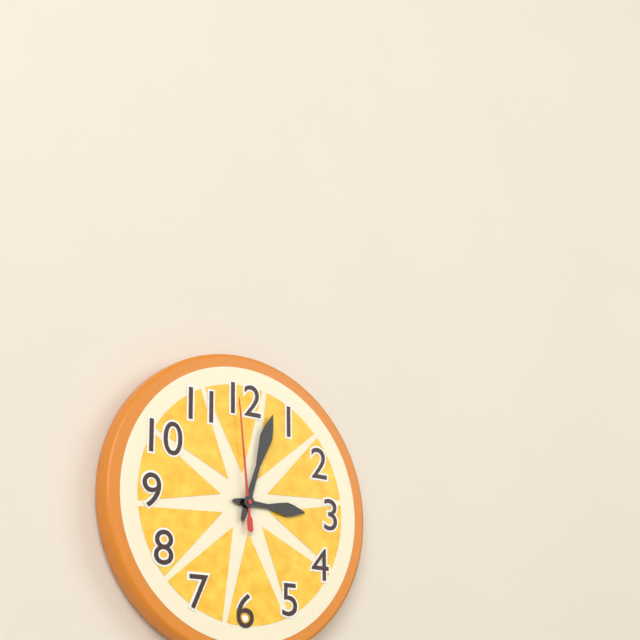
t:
**3:03:59**
